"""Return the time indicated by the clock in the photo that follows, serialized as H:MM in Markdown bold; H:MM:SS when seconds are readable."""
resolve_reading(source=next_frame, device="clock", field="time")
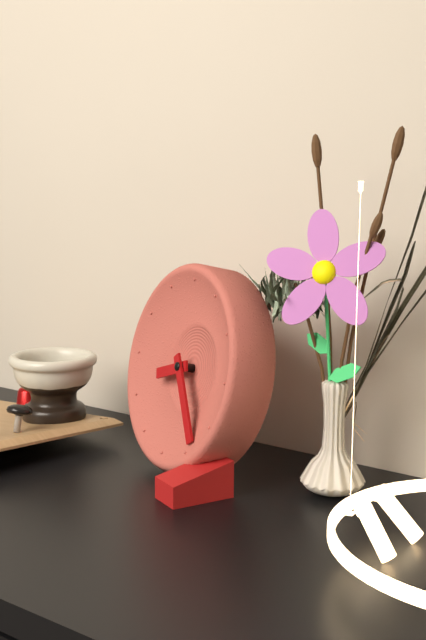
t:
**8:24**
